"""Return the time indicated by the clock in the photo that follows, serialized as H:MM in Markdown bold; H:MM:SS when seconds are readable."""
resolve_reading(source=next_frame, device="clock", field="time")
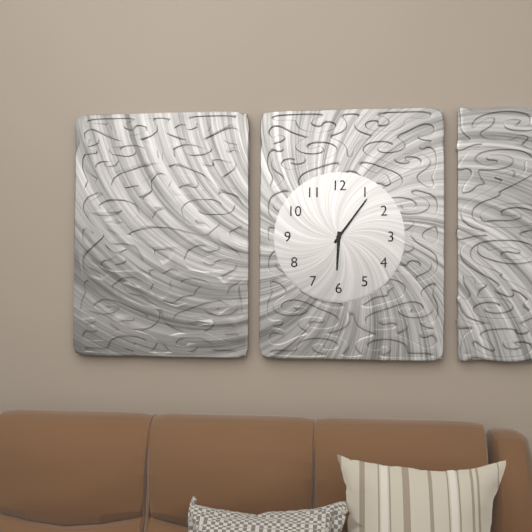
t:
**6:06**
